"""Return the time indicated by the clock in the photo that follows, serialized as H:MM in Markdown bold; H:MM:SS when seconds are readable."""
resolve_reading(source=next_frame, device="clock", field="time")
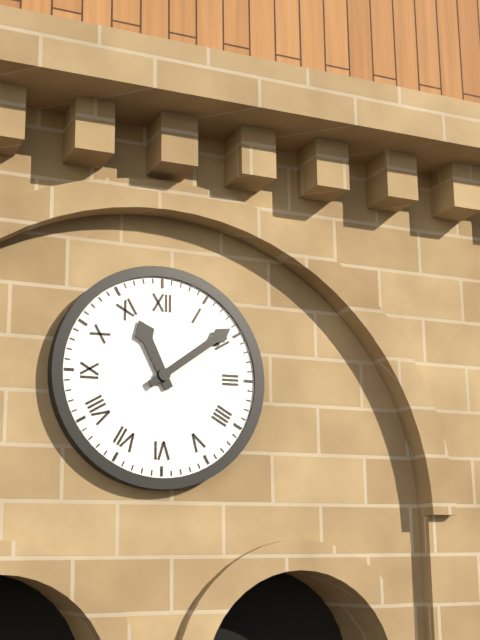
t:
**11:09**
